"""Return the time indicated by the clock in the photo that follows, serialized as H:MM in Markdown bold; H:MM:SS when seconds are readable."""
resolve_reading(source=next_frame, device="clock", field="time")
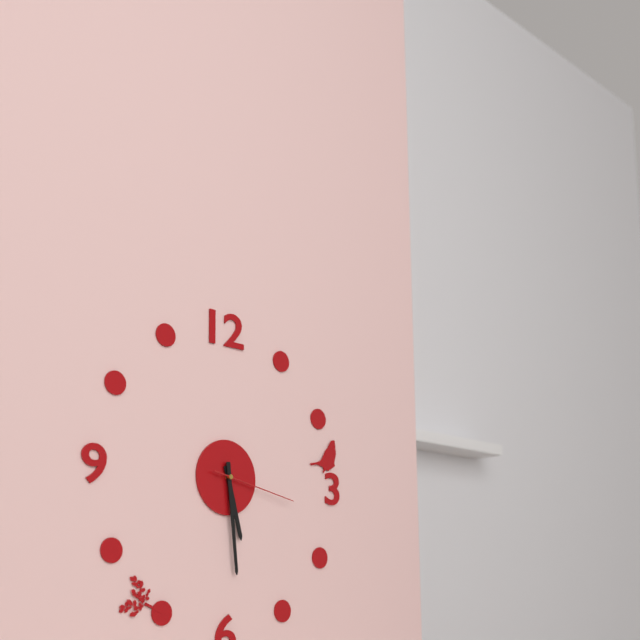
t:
**5:29:17**
